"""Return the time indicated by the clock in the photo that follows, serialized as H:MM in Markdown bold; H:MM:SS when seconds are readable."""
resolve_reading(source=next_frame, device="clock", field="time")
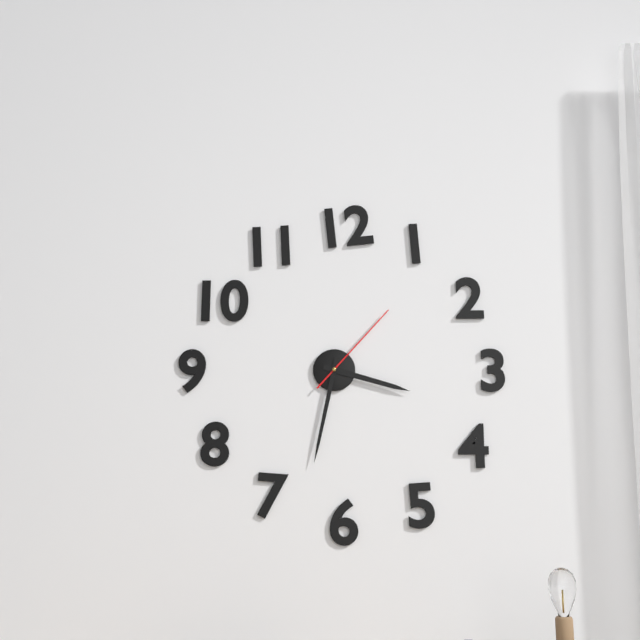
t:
**3:32:07**
